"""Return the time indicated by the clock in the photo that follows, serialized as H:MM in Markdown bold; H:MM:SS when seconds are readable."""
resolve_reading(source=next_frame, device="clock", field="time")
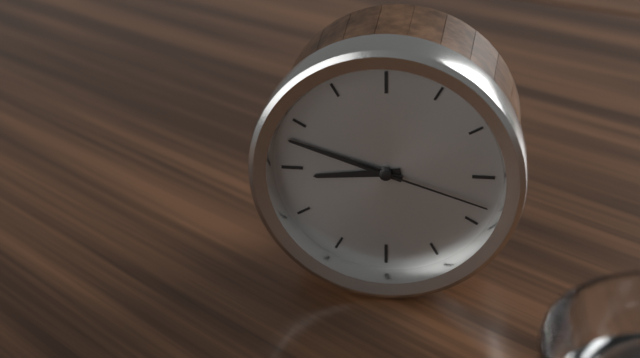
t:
**8:48:18**
